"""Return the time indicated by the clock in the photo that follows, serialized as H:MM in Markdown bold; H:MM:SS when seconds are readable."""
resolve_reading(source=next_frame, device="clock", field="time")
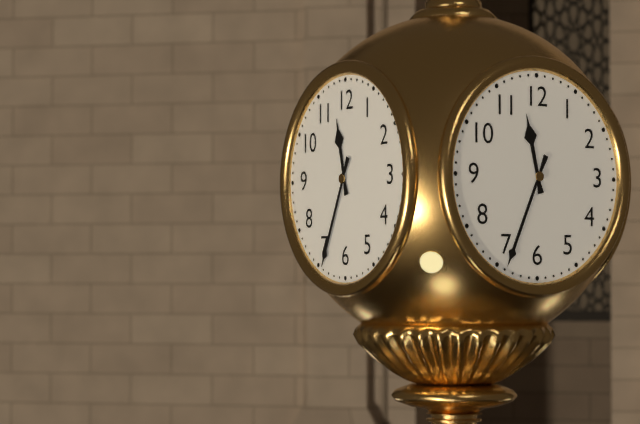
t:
**11:34**
